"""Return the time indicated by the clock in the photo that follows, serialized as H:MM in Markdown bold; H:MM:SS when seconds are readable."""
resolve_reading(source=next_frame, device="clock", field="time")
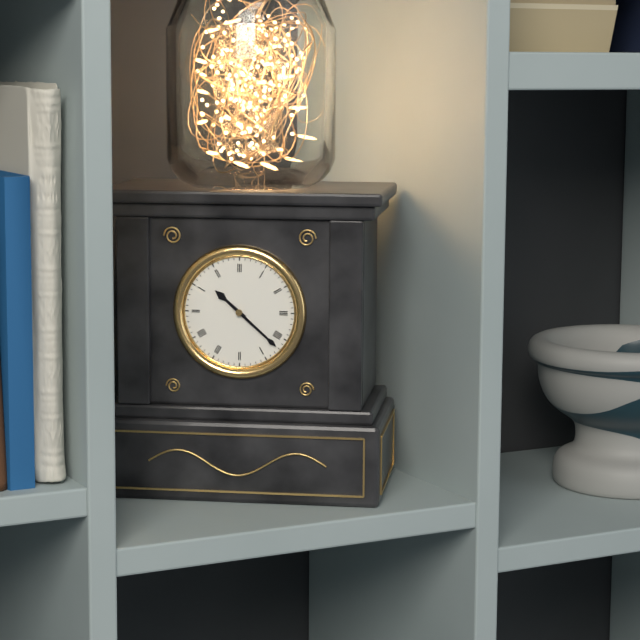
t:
**10:22**
